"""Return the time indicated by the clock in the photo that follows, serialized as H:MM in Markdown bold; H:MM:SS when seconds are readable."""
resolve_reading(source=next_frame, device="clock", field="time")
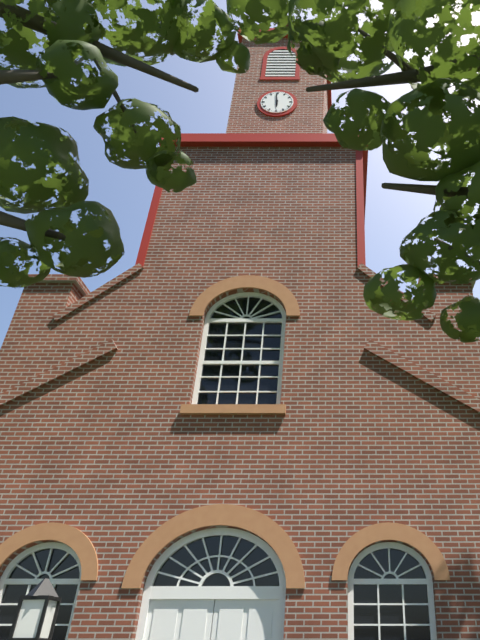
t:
**5:59**
